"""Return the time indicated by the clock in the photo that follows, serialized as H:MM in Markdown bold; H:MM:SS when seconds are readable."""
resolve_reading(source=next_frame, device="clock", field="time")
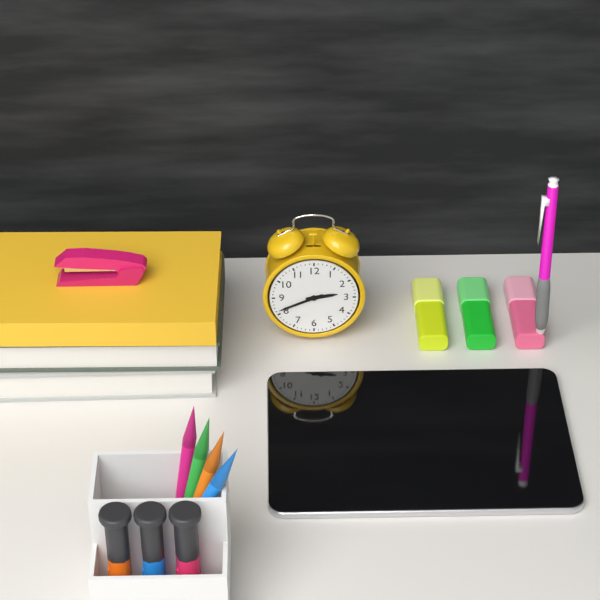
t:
**2:41**
